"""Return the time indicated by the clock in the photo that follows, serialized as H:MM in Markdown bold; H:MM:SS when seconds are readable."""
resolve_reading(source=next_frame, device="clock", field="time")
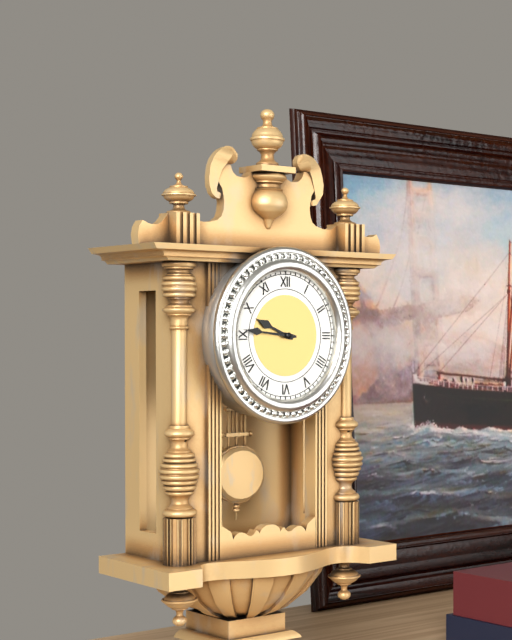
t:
**9:46**
